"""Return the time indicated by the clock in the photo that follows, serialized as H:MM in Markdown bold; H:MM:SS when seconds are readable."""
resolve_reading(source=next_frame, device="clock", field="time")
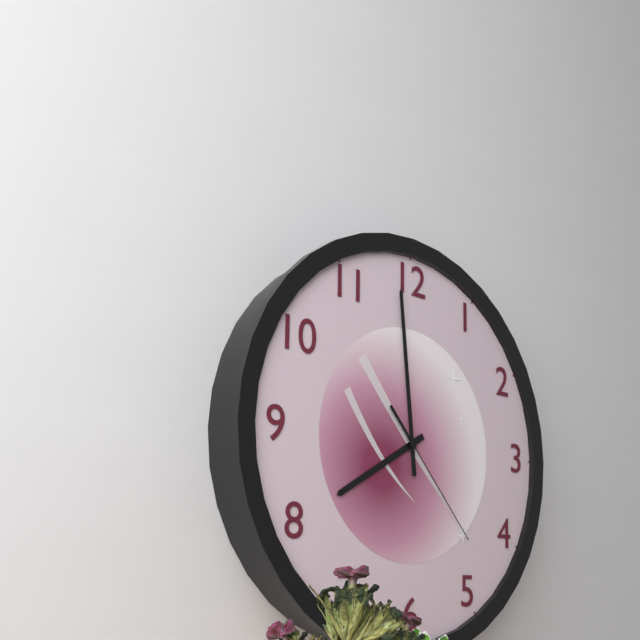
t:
**7:59:23**
